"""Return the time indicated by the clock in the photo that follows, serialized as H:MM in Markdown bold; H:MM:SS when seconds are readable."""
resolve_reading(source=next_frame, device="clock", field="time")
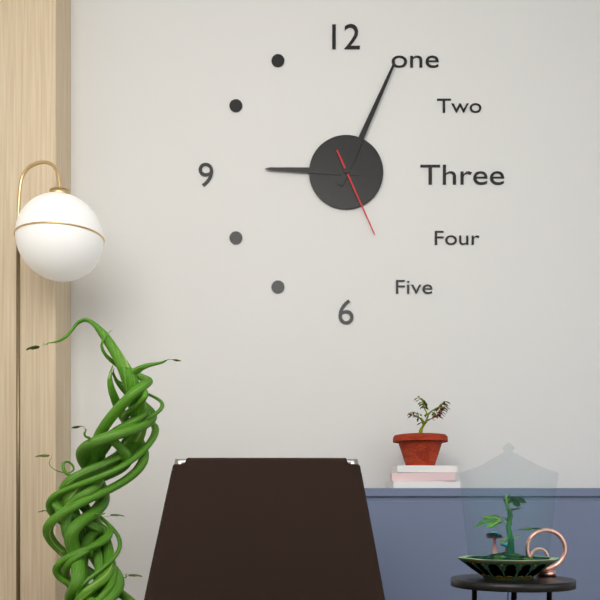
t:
**9:04:26**
